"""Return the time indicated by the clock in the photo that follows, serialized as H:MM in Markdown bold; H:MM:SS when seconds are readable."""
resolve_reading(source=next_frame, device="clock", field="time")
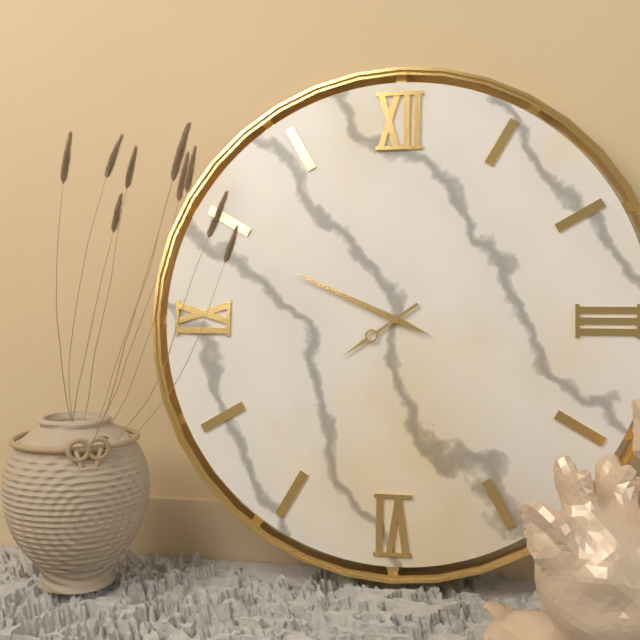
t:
**7:49**
